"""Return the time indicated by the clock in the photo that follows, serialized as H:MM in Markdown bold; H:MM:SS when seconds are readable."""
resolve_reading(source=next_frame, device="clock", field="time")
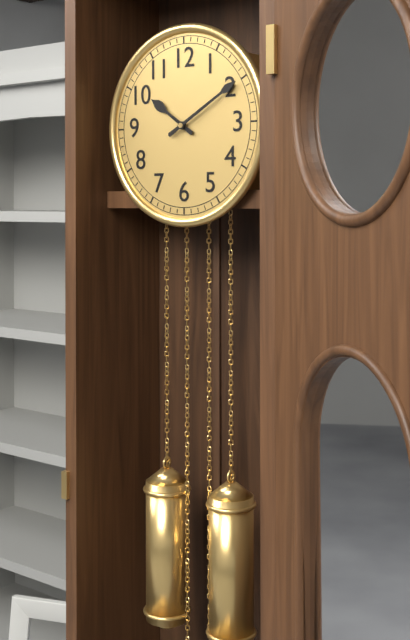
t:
**10:10**
